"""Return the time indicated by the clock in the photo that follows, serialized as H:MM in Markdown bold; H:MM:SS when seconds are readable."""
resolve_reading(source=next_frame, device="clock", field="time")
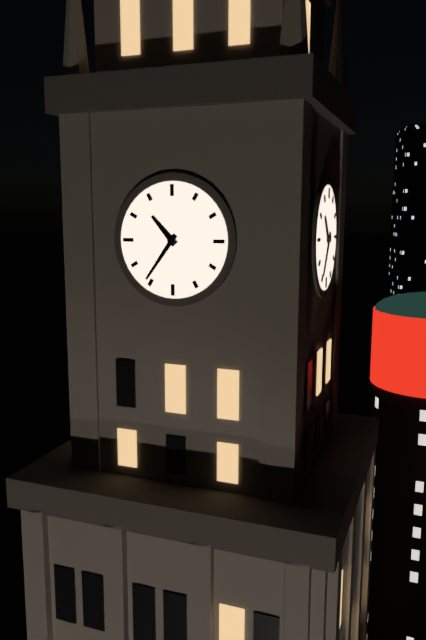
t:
**10:36**
